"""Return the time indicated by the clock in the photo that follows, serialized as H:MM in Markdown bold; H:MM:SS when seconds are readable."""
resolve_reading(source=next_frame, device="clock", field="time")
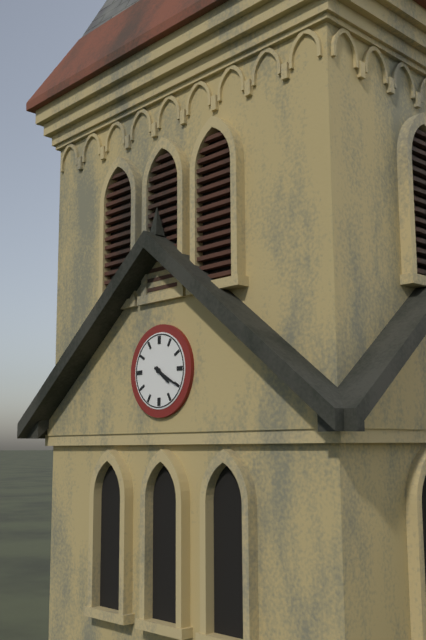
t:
**4:20**
